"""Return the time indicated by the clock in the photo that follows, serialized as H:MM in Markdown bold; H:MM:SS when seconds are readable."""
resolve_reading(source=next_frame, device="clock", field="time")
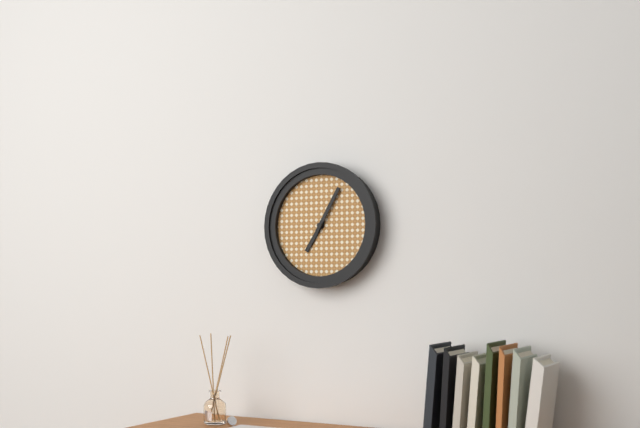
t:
**7:05**
